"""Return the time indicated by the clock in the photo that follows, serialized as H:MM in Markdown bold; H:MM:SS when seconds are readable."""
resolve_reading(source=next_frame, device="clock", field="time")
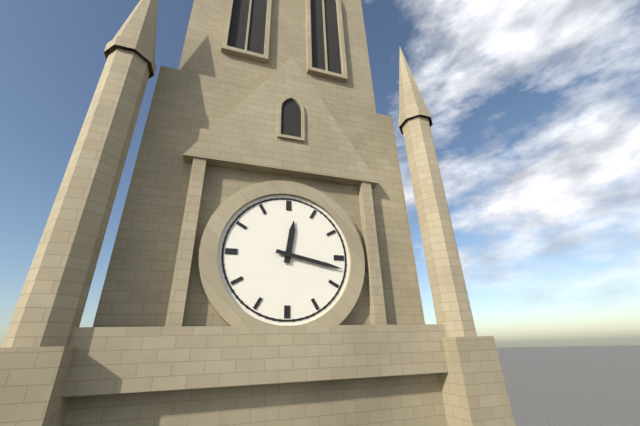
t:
**12:17**
